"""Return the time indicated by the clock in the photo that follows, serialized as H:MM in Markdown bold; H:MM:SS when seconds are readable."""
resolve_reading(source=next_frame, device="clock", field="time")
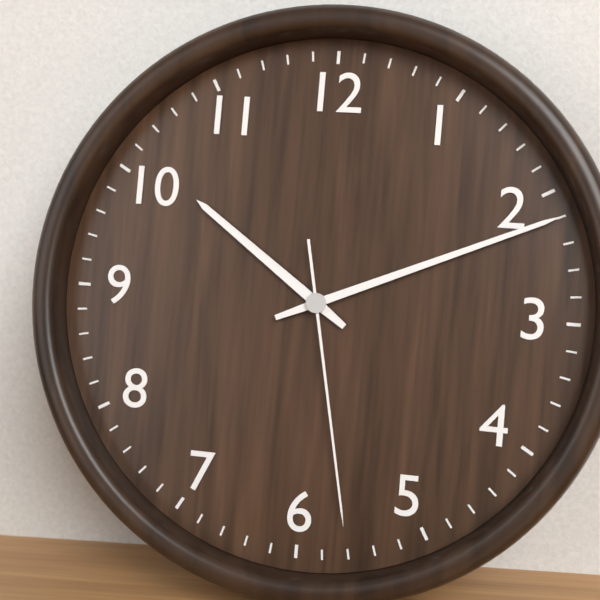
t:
**10:11:28**
